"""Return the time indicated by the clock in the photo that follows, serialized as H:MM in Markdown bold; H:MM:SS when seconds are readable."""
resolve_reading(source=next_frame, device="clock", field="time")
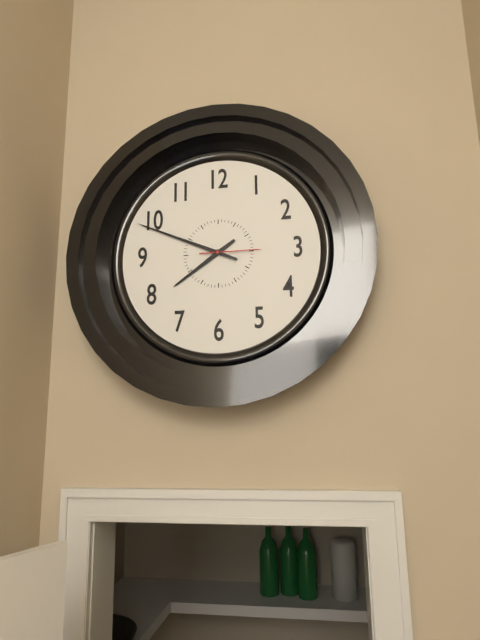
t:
**7:49:15**
